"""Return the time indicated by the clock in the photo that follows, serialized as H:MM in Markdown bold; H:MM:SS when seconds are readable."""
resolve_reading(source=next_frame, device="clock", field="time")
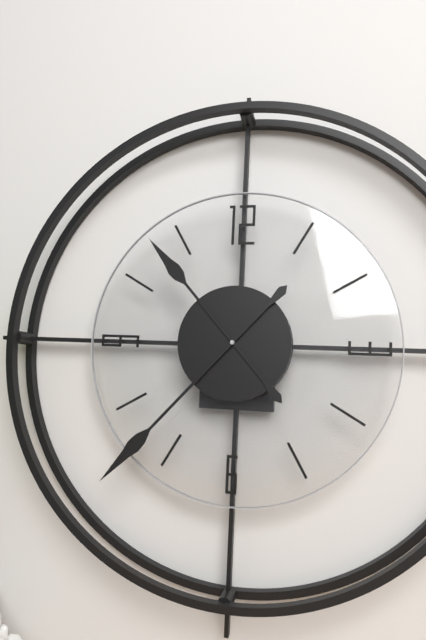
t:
**10:37**
